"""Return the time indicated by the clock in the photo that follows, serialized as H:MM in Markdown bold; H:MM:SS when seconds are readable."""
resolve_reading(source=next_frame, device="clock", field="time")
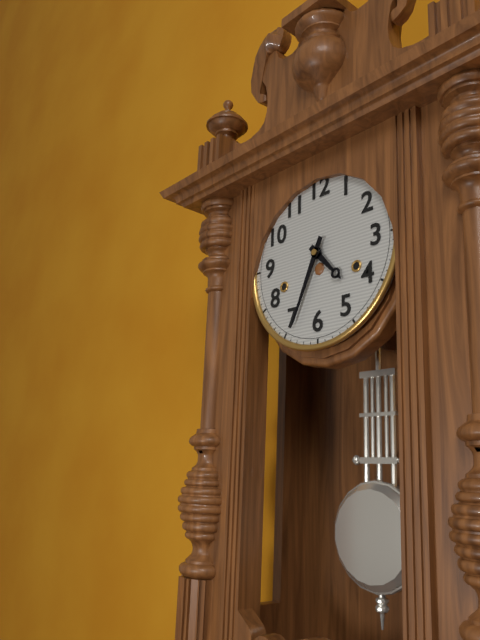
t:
**4:34**
